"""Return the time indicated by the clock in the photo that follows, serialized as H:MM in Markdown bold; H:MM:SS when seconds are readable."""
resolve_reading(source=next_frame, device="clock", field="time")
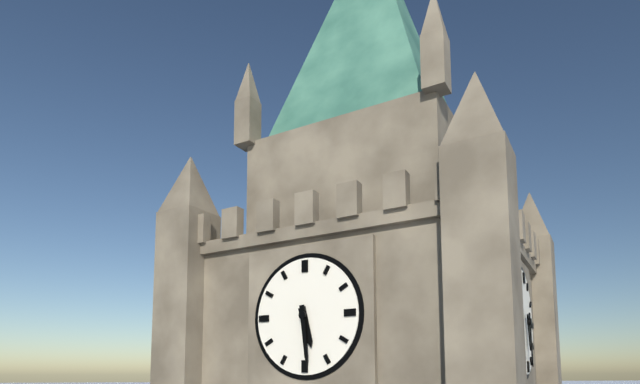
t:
**5:29**
